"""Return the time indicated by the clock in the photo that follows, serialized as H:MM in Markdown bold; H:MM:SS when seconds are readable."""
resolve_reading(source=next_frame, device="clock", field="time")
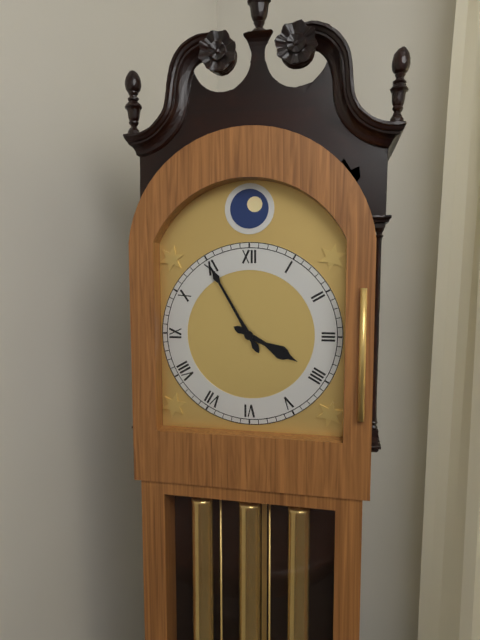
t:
**3:55**
